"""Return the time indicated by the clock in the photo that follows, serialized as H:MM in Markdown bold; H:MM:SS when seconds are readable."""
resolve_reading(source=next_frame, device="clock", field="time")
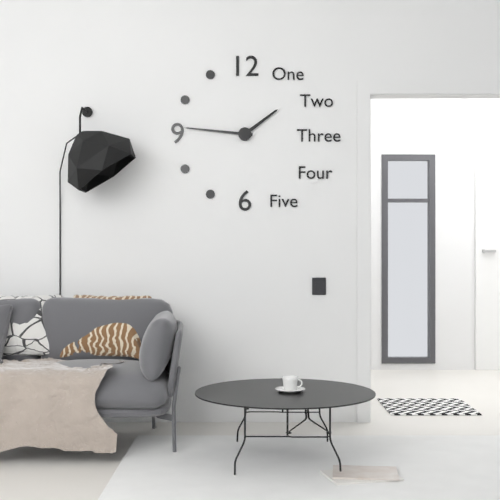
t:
**1:46**
